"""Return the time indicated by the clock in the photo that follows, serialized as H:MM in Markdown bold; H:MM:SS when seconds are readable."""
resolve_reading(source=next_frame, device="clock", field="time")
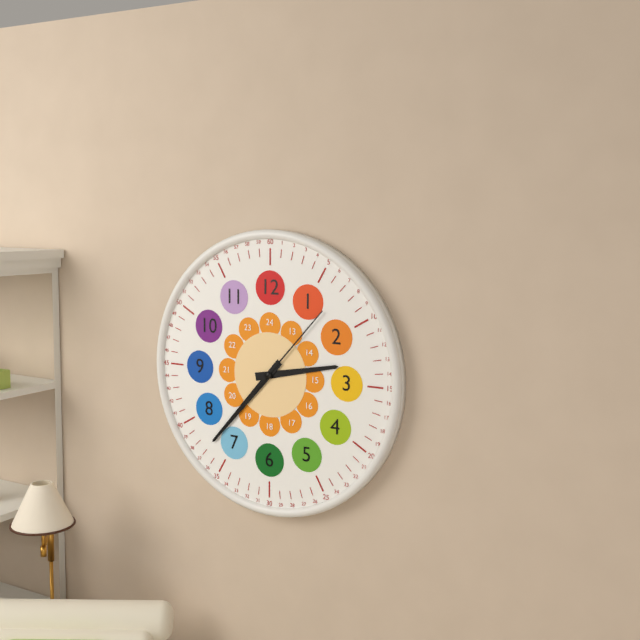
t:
**2:37:07**
